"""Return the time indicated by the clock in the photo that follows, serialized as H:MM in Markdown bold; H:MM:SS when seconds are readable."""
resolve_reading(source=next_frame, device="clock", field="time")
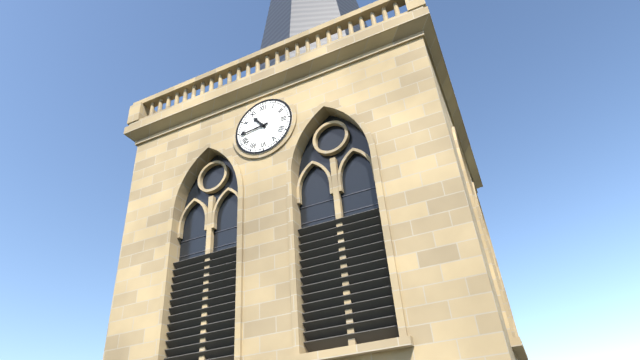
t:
**10:44**
